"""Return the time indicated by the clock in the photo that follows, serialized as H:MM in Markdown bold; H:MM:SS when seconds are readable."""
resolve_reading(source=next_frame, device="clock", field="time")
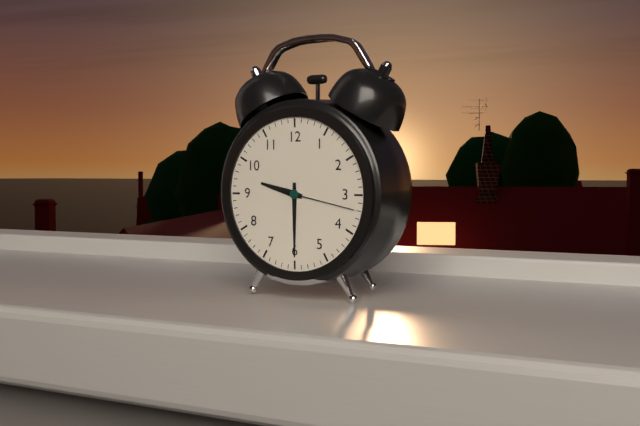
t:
**9:30:17**
